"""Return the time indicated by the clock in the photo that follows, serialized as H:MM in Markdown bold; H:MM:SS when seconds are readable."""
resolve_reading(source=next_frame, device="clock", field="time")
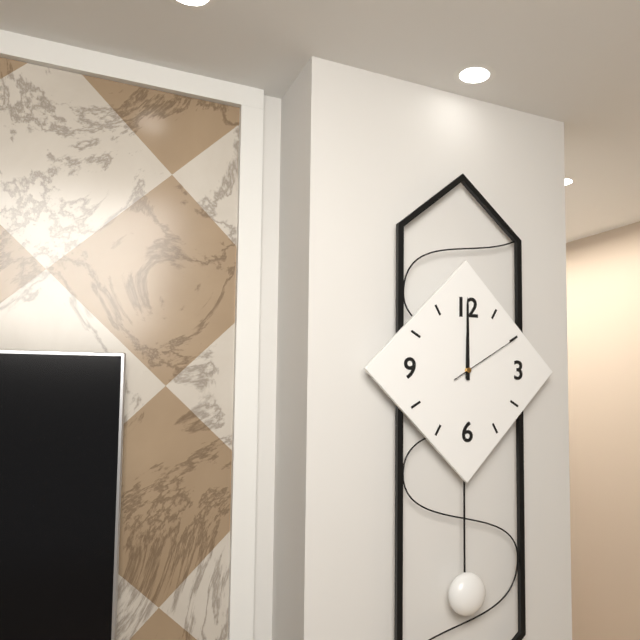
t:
**12:00:10**
